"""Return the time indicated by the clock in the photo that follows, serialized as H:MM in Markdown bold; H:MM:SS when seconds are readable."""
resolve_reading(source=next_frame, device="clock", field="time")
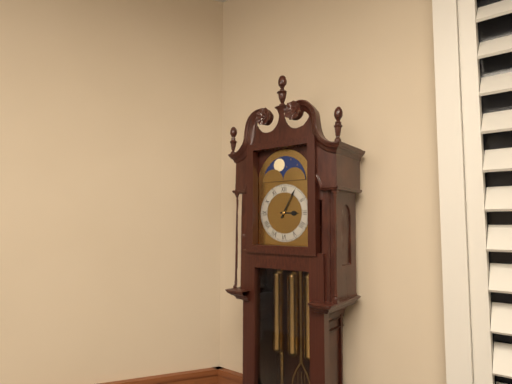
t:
**3:05**
